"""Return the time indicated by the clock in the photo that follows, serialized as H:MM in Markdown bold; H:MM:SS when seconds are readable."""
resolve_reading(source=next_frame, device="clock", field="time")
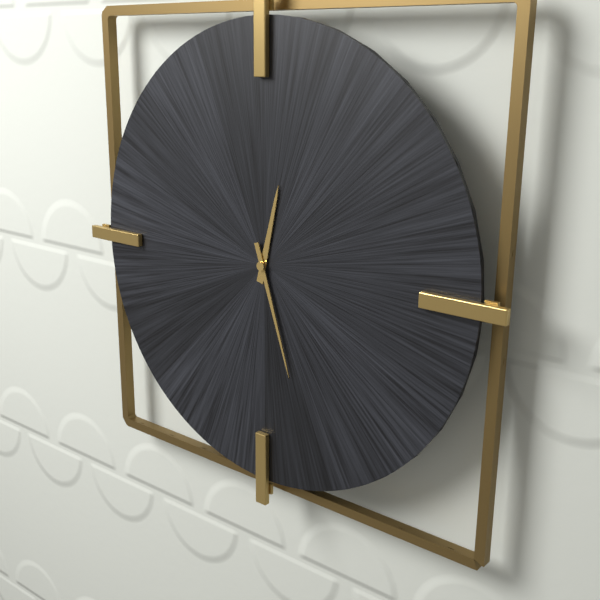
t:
**12:27**
